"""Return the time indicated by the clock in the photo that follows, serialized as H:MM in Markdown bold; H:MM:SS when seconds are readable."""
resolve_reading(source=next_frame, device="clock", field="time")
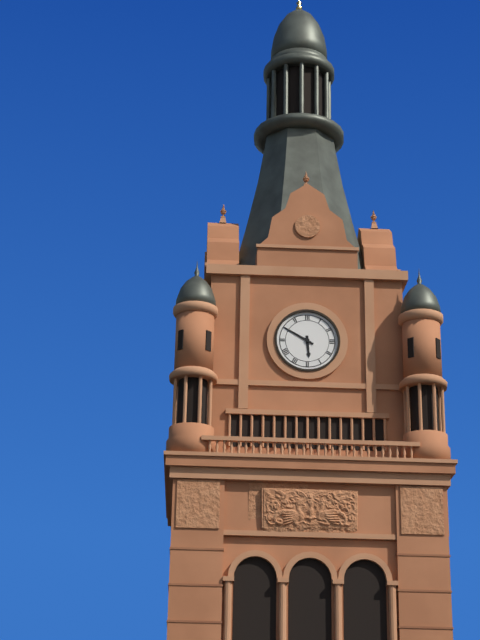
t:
**5:50**
